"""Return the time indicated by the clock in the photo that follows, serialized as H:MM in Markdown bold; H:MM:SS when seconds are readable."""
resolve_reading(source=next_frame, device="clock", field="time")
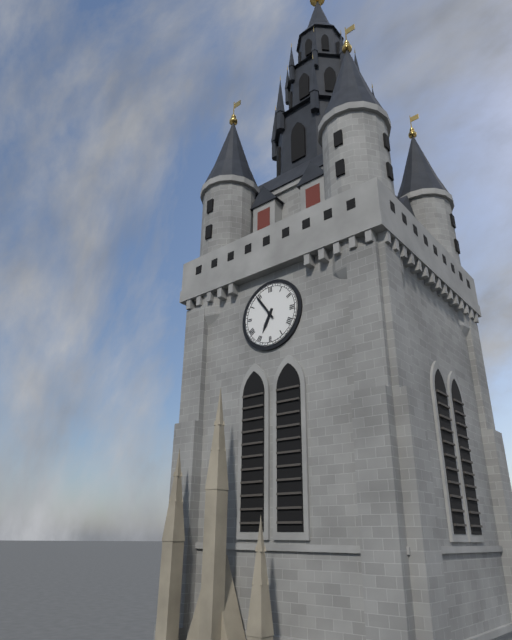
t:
**6:54**
